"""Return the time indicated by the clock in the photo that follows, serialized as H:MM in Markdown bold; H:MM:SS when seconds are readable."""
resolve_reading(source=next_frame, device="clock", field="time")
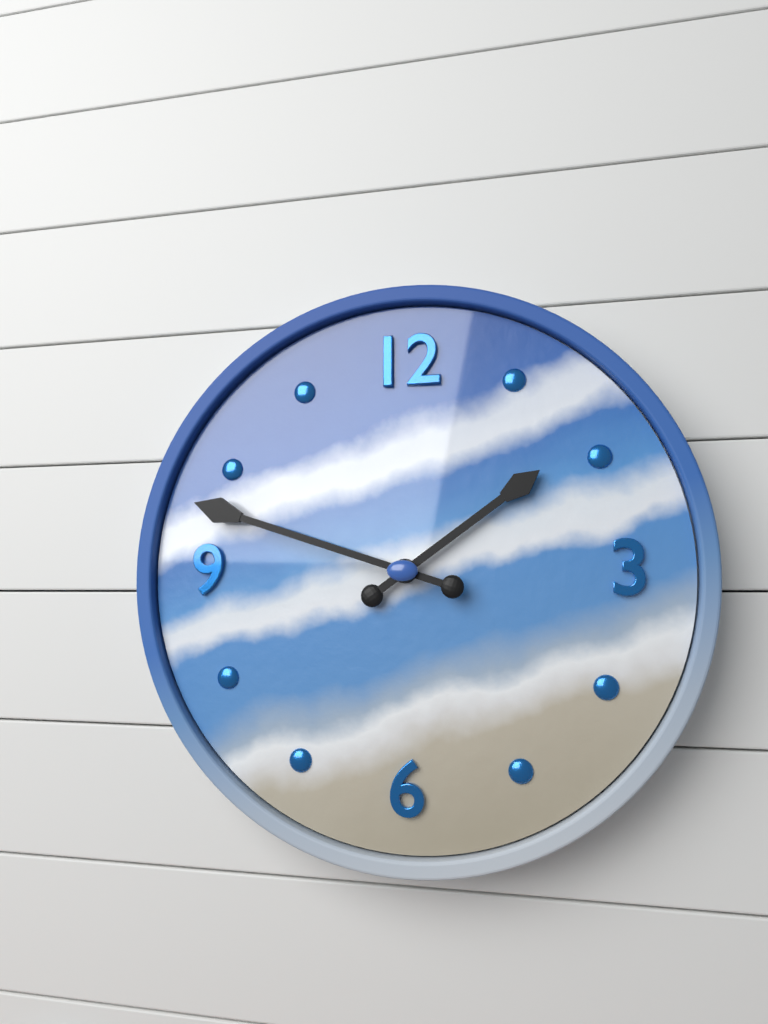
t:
**1:48**
